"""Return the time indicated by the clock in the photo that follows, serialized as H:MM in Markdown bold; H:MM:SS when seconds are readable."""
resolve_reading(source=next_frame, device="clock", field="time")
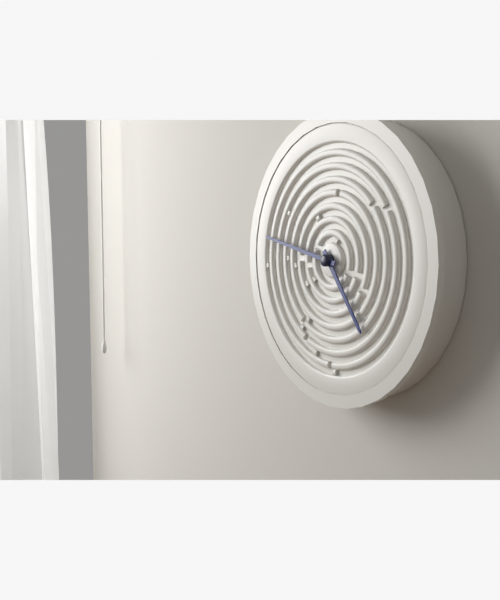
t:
**4:47**
